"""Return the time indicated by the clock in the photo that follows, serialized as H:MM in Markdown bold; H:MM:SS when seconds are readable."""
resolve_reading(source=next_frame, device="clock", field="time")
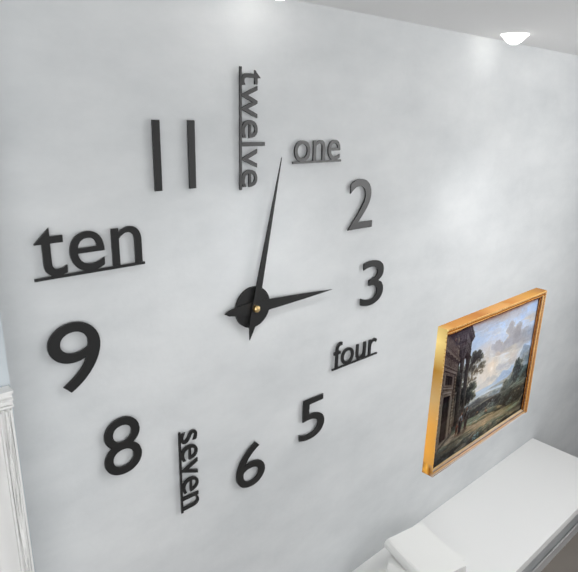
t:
**3:02**
